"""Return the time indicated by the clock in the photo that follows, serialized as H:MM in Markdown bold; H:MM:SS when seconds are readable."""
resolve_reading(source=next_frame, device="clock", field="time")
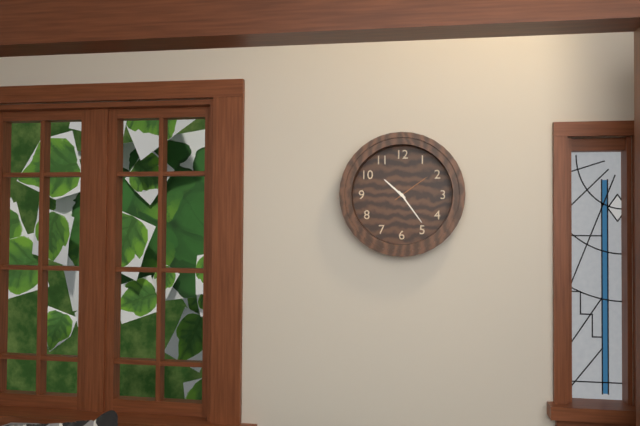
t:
**10:24**
